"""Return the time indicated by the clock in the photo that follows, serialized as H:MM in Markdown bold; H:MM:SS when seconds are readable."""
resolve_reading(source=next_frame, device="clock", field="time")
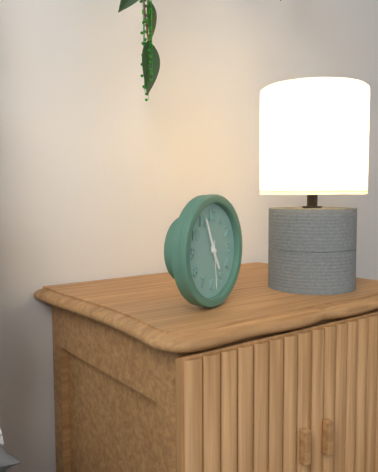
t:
**4:56**
